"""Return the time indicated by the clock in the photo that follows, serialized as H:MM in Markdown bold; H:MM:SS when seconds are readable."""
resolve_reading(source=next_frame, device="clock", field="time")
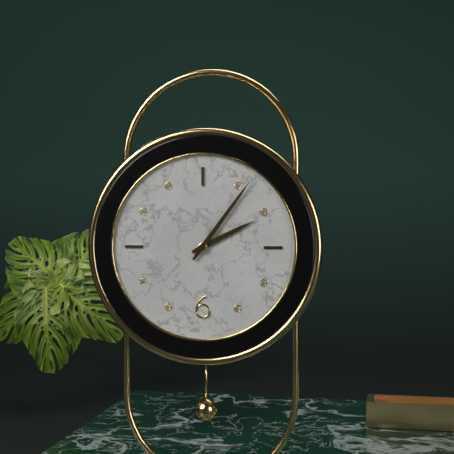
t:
**2:06**
